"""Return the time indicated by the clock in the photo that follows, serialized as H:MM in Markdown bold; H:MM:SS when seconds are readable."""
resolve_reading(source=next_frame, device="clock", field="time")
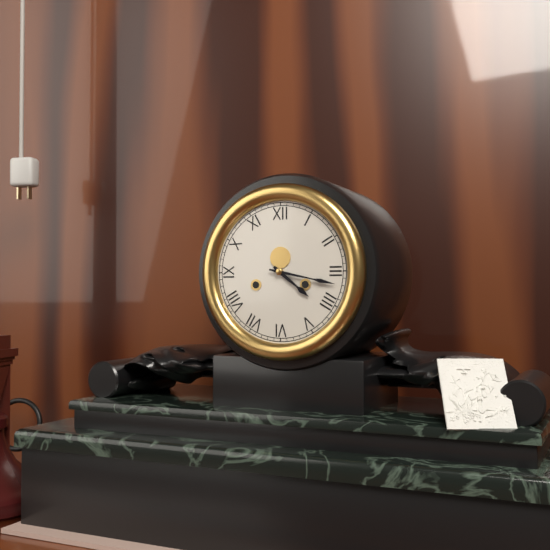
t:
**4:17**
